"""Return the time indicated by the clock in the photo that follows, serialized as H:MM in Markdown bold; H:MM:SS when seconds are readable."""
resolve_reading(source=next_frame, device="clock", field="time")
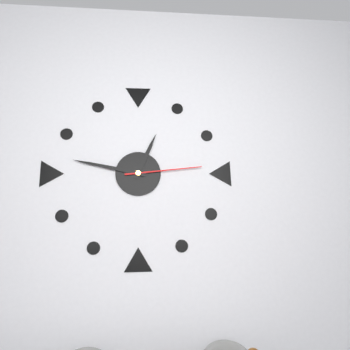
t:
**12:47:14**
